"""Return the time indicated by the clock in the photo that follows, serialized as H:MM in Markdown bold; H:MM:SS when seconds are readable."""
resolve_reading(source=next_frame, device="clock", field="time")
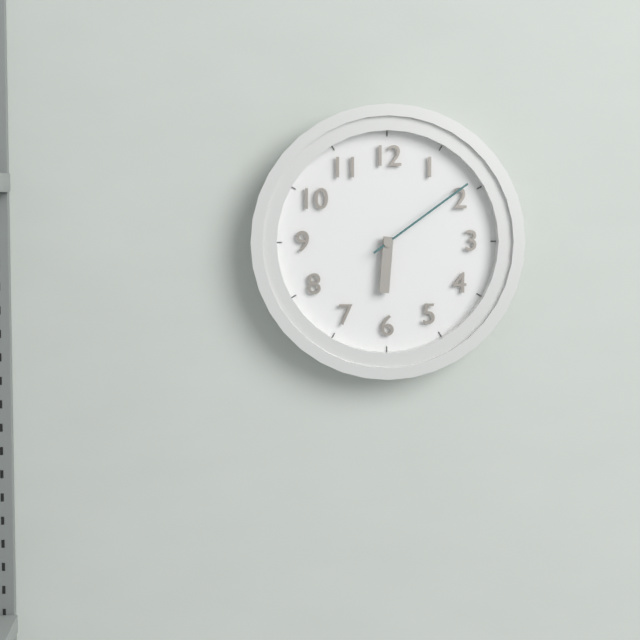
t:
**6:09**
